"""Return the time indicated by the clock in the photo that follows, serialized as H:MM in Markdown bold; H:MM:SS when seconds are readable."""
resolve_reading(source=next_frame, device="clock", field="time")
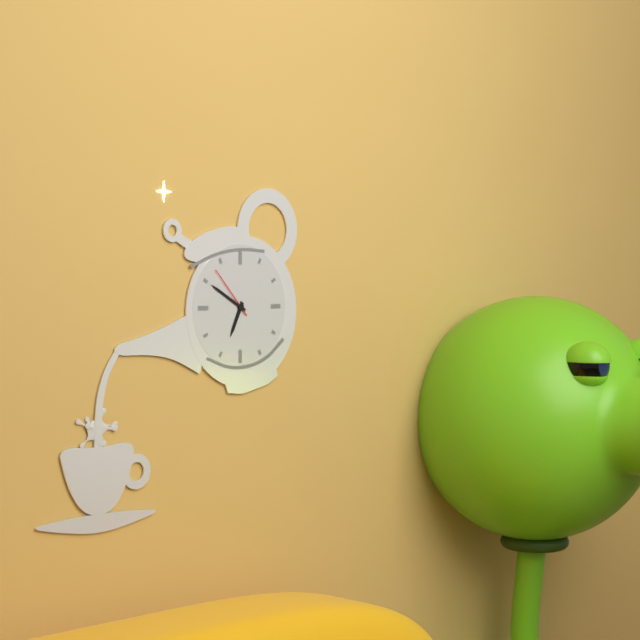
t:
**6:50:53**
